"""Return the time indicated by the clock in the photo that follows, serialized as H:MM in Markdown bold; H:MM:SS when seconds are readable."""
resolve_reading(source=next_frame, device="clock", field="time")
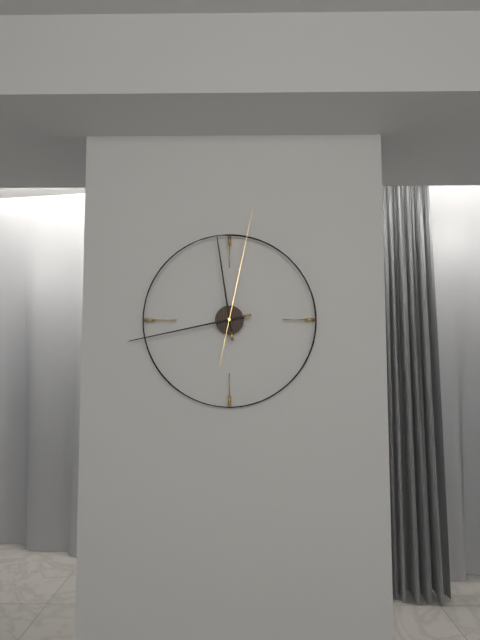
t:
**11:43:02**
